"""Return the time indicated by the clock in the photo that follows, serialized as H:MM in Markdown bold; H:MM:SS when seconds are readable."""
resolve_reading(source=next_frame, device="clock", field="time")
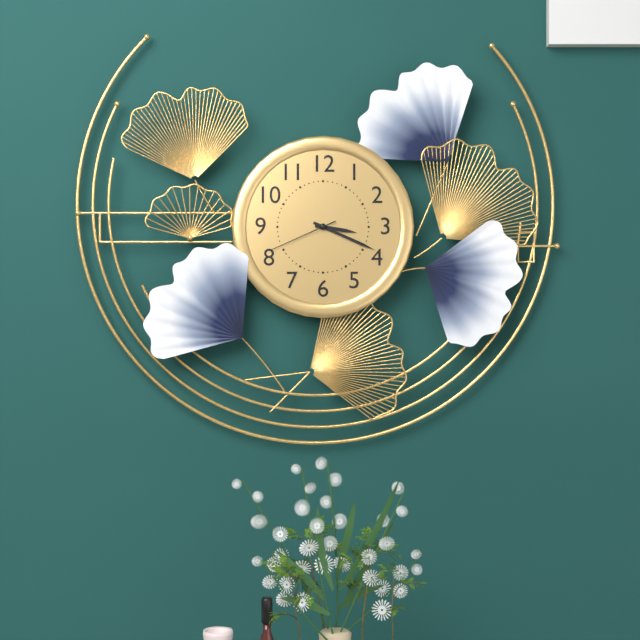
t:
**3:19:41**
